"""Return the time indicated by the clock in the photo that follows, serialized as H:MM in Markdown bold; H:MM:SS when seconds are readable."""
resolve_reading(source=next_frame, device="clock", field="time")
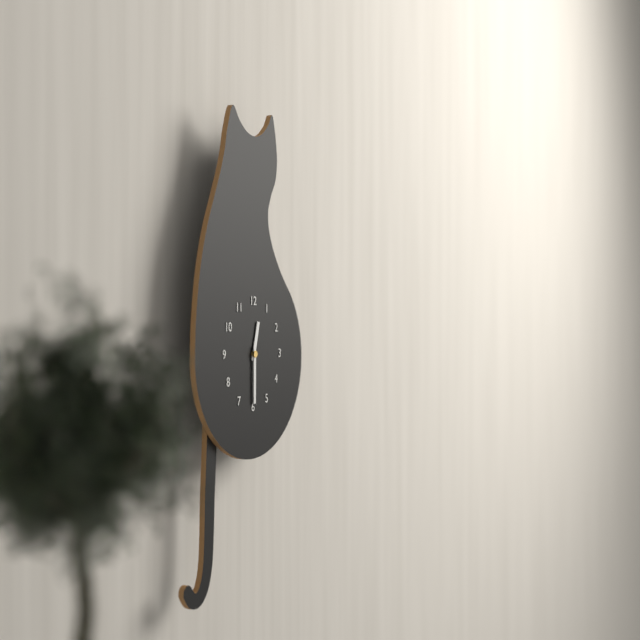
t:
**12:30**
